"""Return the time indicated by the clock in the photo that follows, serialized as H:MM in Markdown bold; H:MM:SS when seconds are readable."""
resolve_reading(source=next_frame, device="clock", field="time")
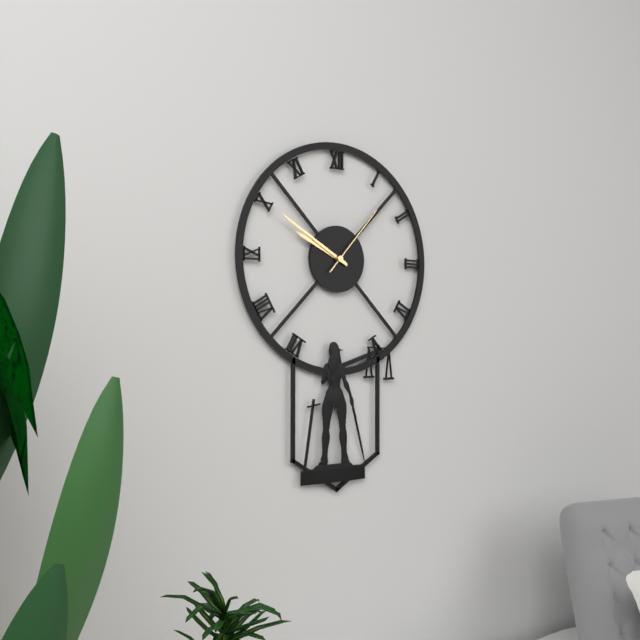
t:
**9:50:07**
